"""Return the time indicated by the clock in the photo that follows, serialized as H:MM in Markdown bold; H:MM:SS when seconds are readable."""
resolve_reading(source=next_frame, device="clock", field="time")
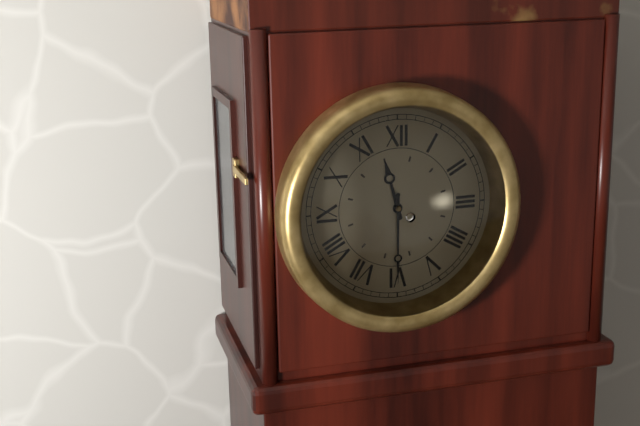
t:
**11:30**
